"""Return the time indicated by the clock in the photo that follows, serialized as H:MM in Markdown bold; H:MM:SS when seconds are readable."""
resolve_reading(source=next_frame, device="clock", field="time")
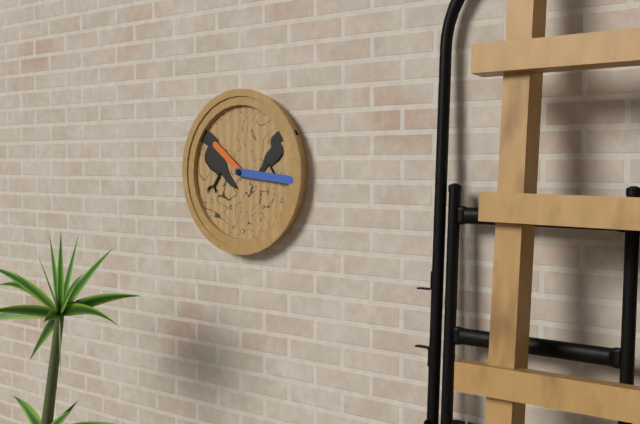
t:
**10:16**
